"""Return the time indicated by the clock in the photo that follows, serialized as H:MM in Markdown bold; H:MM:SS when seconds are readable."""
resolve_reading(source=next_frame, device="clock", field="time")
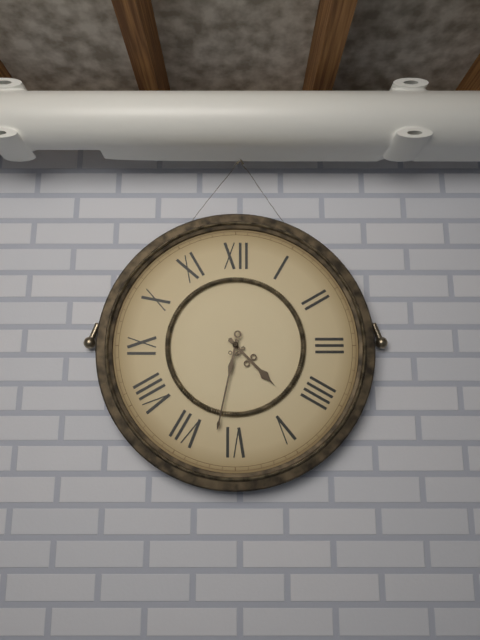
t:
**4:32**
